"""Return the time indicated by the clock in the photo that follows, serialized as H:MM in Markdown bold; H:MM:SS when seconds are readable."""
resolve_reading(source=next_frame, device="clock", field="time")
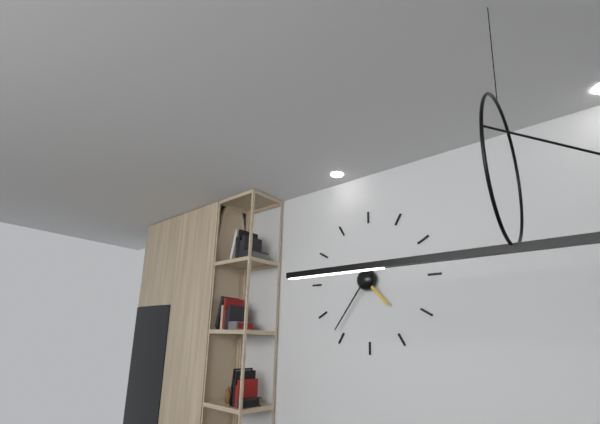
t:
**4:36**
